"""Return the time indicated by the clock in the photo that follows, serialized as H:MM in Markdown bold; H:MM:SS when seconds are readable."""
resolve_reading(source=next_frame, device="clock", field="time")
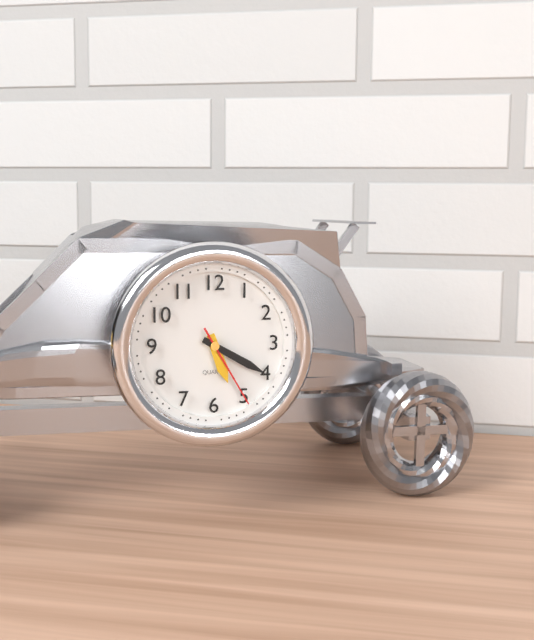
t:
**5:20:25**
